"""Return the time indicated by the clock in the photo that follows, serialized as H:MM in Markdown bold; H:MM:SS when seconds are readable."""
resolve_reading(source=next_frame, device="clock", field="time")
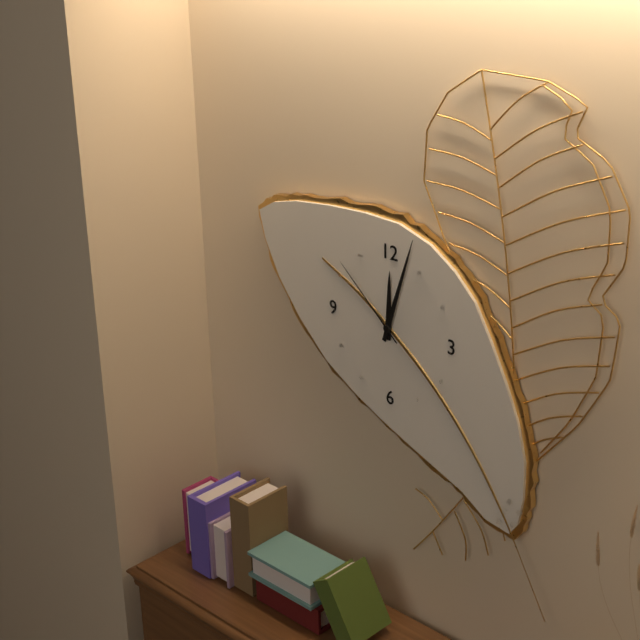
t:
**12:03:52**
